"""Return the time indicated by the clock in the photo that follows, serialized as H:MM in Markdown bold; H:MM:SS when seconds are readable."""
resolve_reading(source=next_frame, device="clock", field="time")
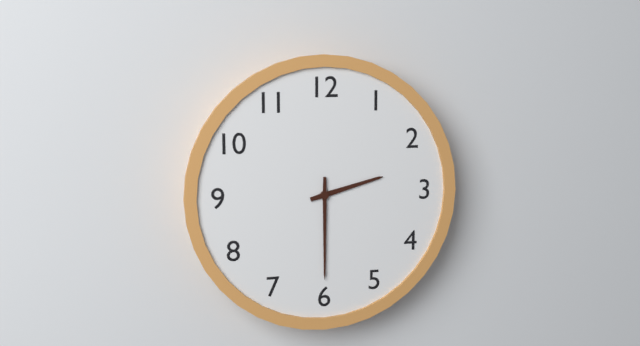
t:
**2:30**
